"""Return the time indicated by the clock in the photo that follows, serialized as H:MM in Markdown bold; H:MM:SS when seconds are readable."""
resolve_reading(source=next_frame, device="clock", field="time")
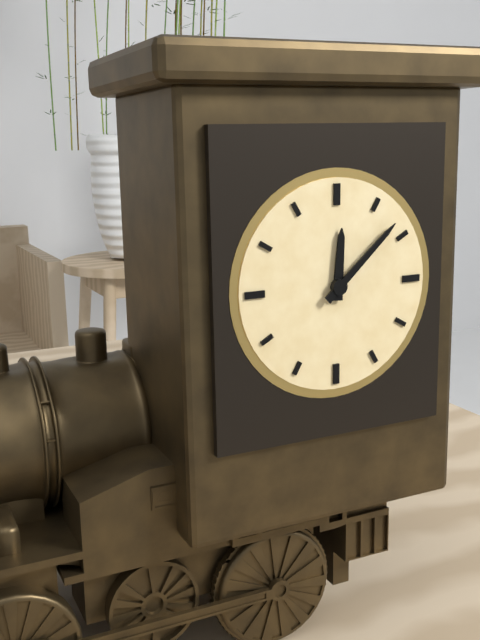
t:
**12:08**
